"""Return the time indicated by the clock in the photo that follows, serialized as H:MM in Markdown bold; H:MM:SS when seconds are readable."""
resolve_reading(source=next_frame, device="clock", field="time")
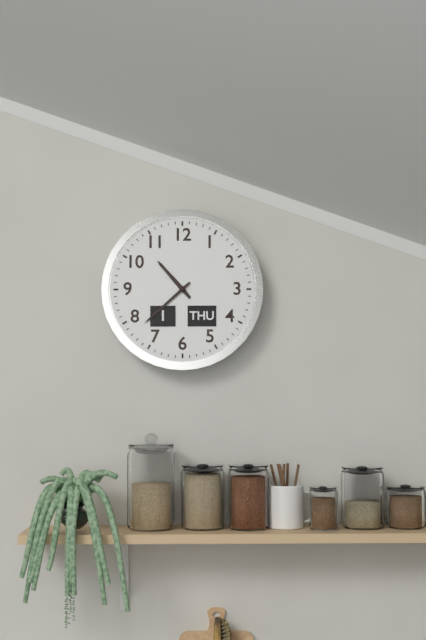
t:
**10:38**
